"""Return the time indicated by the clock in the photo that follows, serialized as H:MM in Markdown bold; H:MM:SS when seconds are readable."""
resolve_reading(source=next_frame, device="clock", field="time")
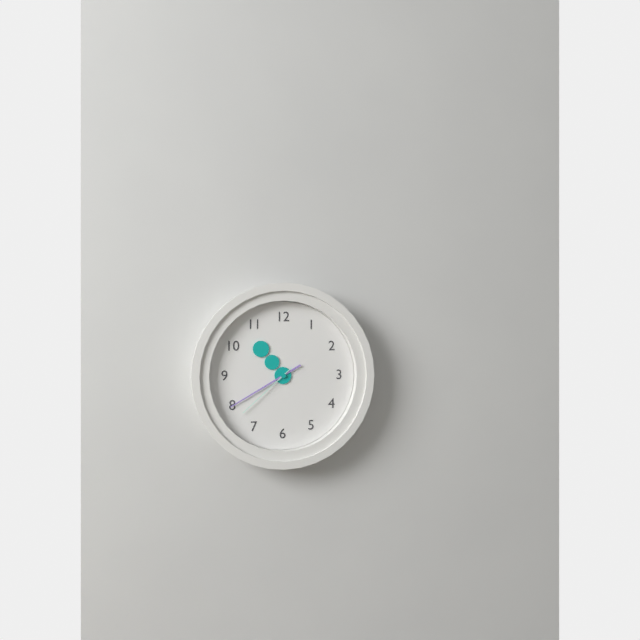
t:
**10:40:38**
